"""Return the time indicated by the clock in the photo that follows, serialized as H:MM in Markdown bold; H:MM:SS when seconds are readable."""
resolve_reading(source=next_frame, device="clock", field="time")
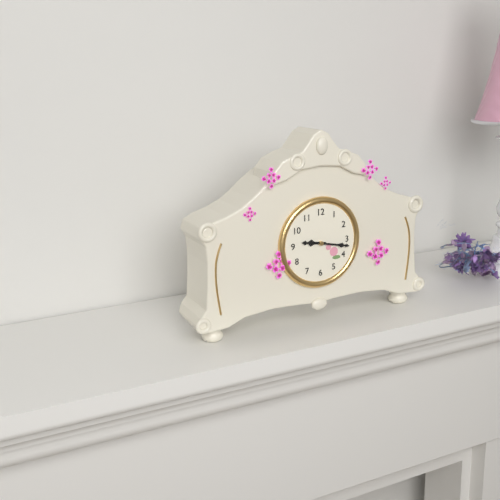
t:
**9:17**
